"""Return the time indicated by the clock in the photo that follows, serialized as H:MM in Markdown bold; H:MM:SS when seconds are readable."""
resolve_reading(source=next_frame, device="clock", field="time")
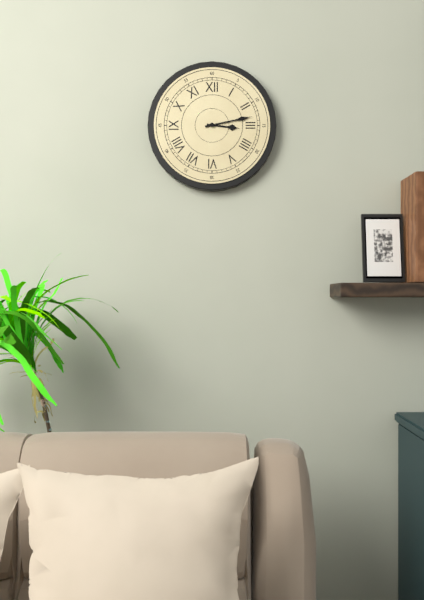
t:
**3:13**
